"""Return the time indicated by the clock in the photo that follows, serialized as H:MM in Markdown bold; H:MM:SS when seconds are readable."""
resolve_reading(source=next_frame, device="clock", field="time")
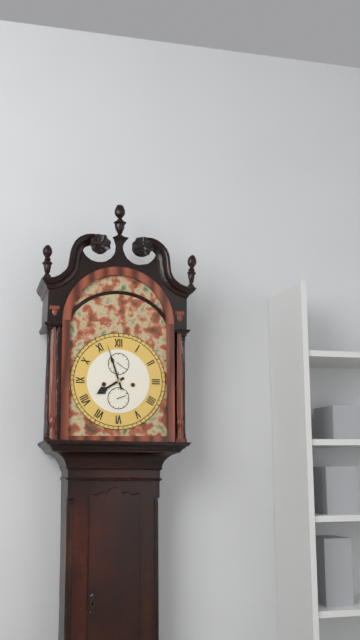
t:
**7:57**
